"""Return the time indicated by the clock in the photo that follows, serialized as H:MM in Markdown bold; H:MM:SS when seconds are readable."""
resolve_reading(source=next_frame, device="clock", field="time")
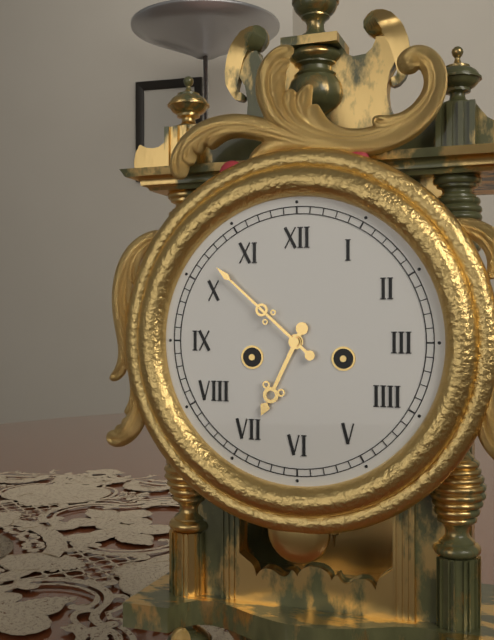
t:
**6:52**
